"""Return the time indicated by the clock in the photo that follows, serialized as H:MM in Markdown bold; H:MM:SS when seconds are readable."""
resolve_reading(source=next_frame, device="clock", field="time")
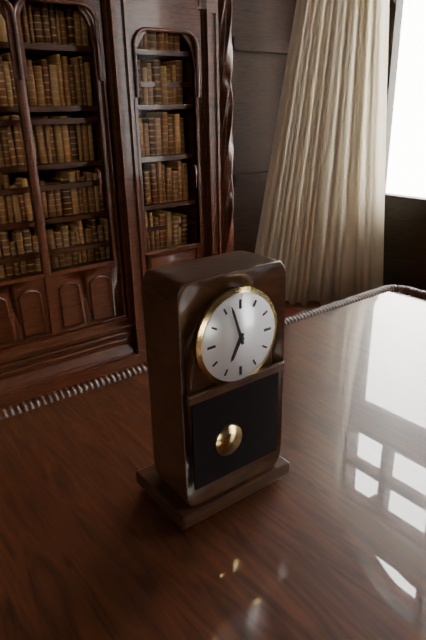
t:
**6:57**
